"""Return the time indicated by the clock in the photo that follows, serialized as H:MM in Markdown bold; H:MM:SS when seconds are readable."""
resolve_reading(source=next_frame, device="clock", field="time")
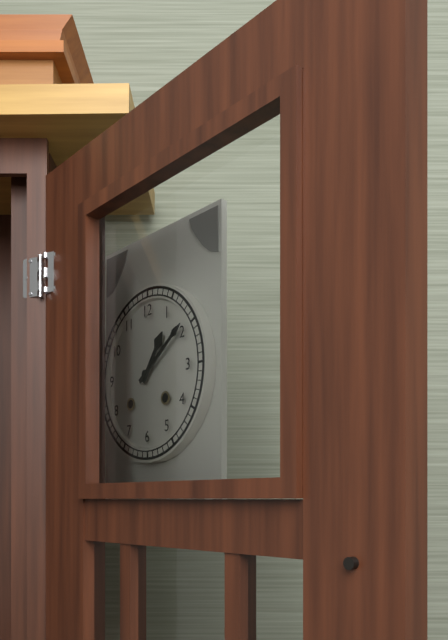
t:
**1:09**
